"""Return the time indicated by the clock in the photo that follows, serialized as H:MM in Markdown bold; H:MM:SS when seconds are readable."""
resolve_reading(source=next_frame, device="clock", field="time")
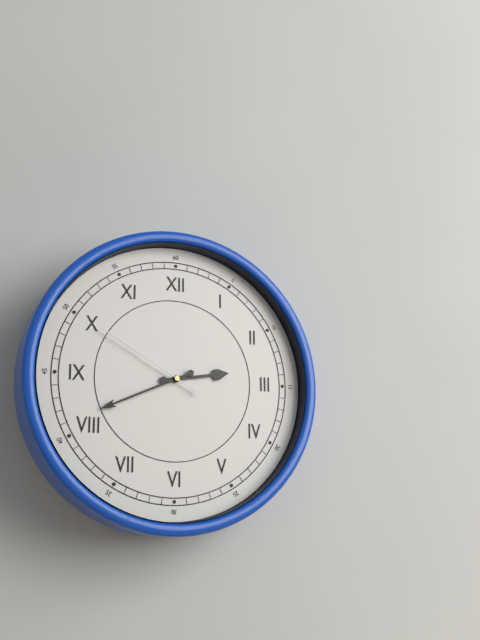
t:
**2:41:50**
